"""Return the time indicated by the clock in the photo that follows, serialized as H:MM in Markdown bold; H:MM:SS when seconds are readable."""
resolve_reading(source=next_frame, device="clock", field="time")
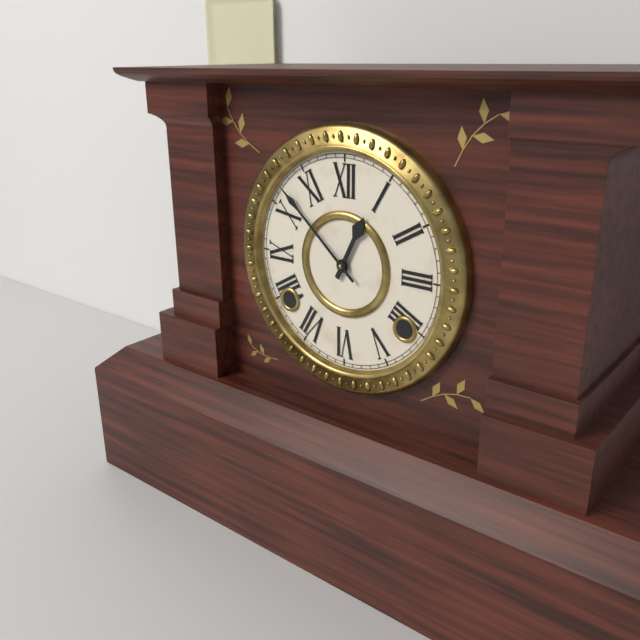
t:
**12:52**
